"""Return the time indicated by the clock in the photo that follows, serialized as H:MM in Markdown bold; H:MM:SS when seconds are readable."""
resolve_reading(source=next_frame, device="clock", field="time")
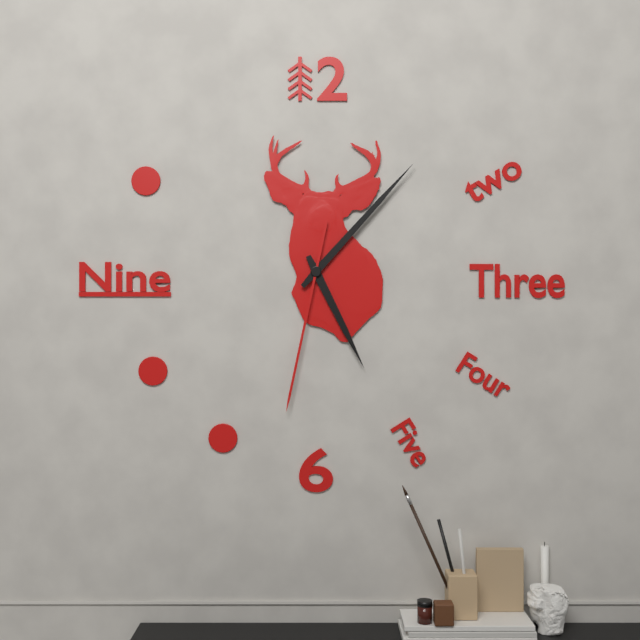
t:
**5:07:32**
